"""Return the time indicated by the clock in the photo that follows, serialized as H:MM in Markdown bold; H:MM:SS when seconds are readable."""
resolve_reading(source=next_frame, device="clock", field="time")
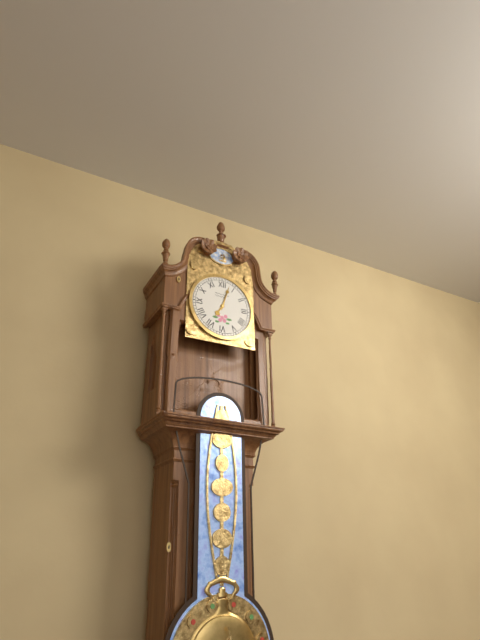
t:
**7:03**
